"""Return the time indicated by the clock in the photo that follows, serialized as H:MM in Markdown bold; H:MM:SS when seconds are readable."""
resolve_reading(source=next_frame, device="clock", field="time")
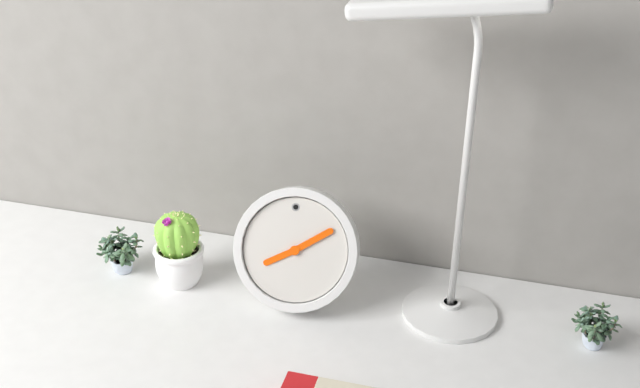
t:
**8:10**
